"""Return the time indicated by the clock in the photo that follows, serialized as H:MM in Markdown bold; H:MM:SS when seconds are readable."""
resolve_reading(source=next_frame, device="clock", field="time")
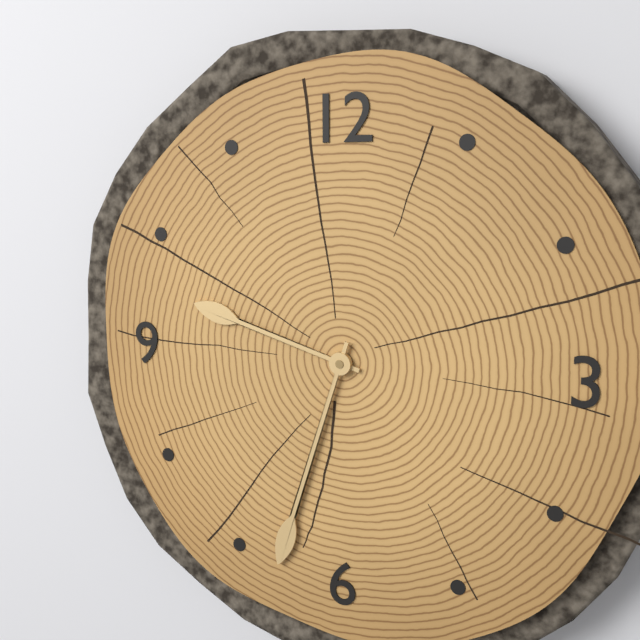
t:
**9:33**
